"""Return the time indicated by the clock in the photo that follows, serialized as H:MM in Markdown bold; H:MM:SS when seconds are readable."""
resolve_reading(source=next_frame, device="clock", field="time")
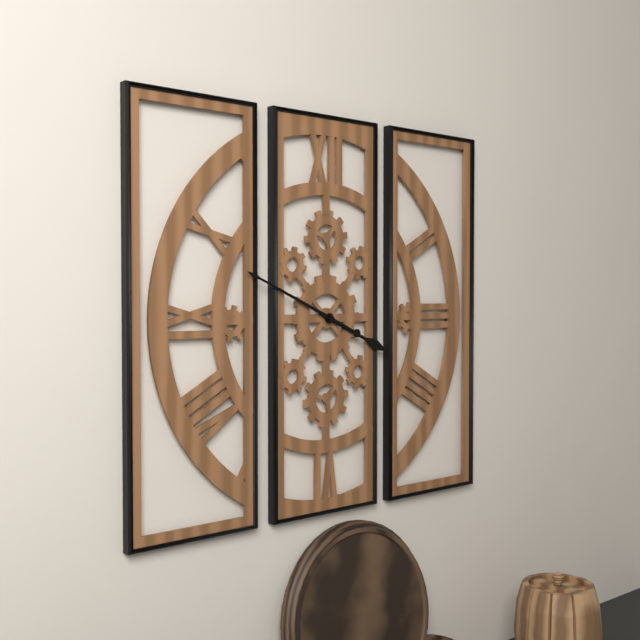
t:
**3:49**
